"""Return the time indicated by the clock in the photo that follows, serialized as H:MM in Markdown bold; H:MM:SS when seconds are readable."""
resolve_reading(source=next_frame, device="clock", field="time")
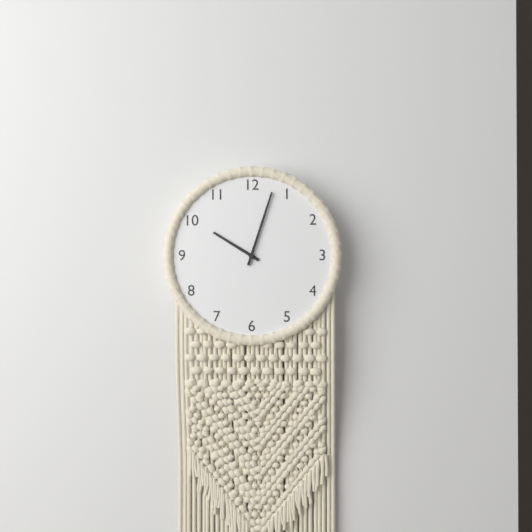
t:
**10:03**
